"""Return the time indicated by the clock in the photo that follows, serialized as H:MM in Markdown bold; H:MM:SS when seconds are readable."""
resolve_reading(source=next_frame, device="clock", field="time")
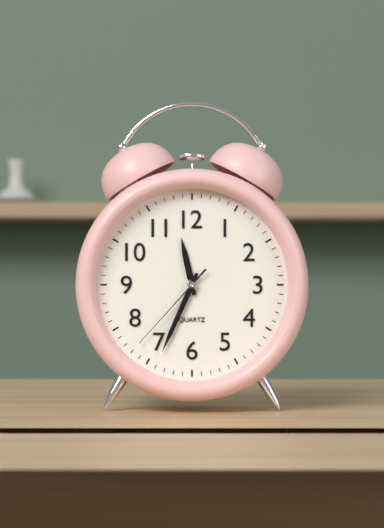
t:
**11:34:37**
